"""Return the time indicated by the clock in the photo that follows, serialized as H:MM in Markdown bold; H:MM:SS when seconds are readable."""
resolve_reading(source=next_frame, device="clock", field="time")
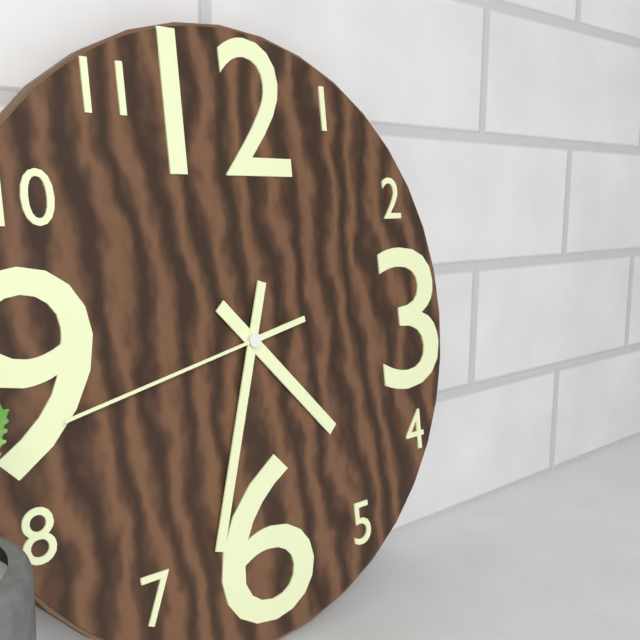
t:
**4:33:43**
